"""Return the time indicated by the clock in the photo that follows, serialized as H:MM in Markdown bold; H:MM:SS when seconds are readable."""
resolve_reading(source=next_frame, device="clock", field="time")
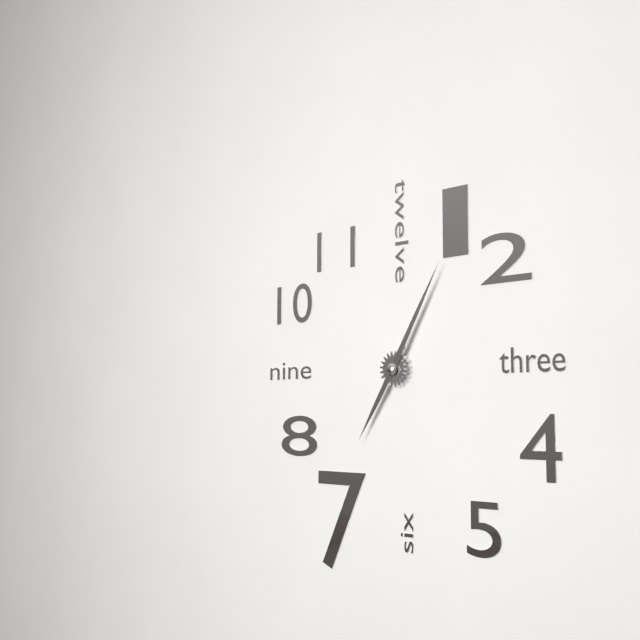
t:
**7:05**
